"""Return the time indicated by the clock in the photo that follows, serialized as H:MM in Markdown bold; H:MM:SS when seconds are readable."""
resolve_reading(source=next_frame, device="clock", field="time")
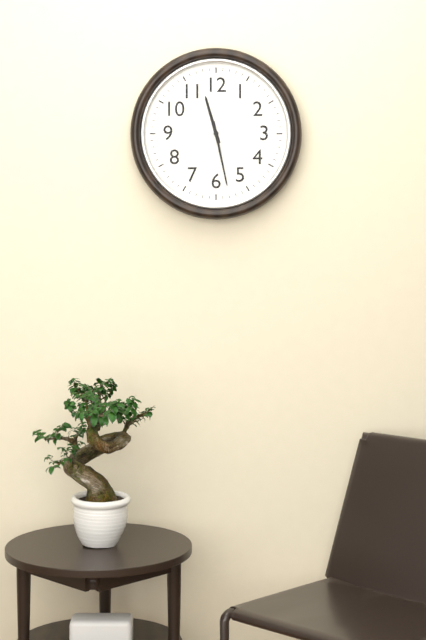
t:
**11:28**
